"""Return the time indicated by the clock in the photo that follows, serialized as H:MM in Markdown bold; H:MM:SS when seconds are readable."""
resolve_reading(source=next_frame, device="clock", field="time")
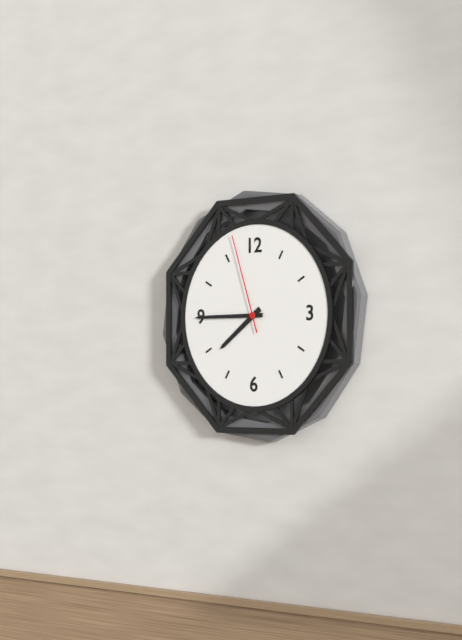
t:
**7:45:57**
